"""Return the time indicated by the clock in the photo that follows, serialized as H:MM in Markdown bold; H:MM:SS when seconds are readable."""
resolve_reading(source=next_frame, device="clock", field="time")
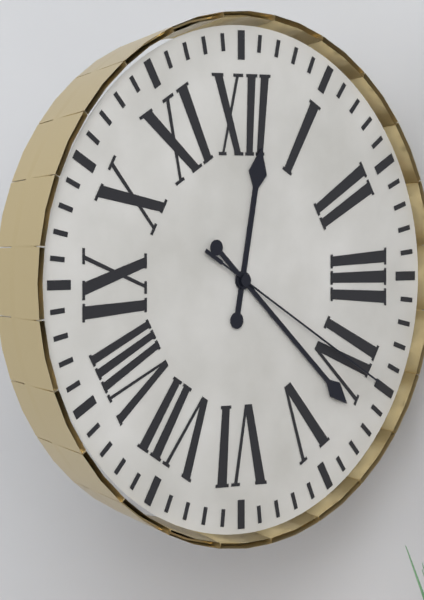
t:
**12:22:20**
